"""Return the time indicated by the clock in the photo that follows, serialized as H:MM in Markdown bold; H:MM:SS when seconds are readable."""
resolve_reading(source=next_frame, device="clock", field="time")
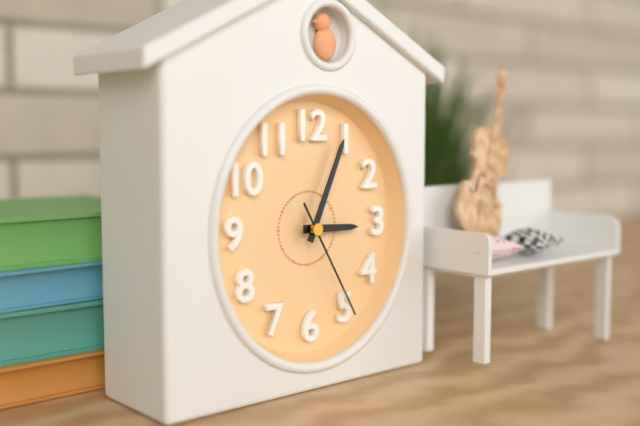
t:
**3:04:25**
